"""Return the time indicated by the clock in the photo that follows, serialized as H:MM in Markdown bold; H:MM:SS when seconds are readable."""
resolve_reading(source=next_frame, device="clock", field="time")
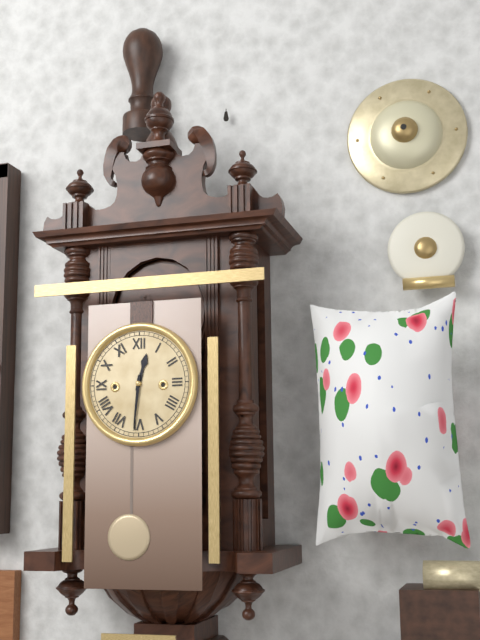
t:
**12:31**
